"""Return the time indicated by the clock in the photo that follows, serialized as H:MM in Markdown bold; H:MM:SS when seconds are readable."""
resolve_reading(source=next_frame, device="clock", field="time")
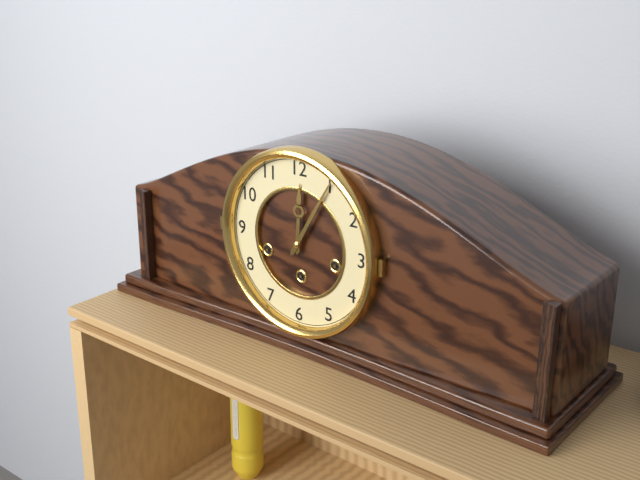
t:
**12:05**
